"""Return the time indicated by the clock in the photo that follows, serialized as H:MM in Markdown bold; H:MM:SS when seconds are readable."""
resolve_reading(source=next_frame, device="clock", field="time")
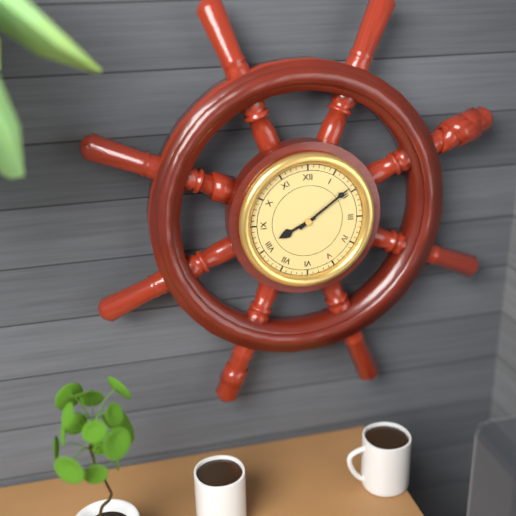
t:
**8:09**
